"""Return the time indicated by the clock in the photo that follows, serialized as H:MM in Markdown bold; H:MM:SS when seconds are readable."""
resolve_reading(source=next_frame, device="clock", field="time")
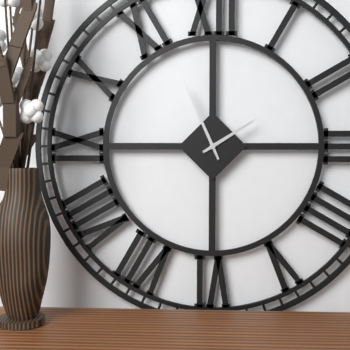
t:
**1:56**
